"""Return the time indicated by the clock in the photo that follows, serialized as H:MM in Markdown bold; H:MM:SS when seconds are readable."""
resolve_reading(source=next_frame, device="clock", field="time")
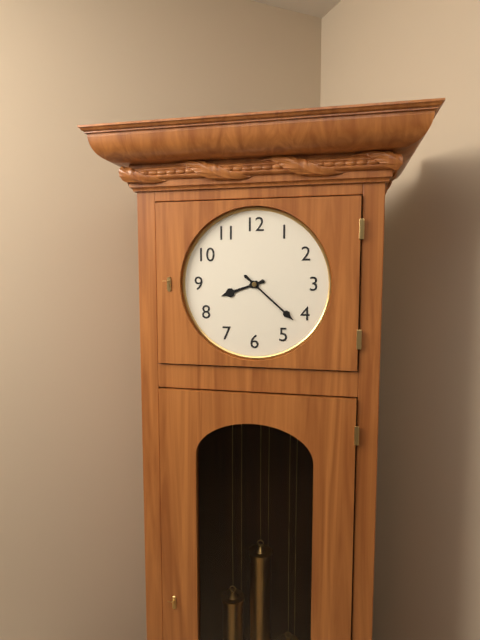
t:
**8:22**
